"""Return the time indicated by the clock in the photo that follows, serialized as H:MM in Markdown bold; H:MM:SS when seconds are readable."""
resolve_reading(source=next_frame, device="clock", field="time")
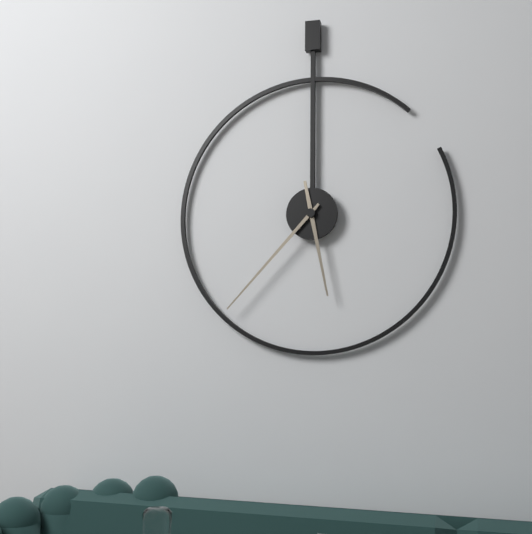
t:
**5:37**
